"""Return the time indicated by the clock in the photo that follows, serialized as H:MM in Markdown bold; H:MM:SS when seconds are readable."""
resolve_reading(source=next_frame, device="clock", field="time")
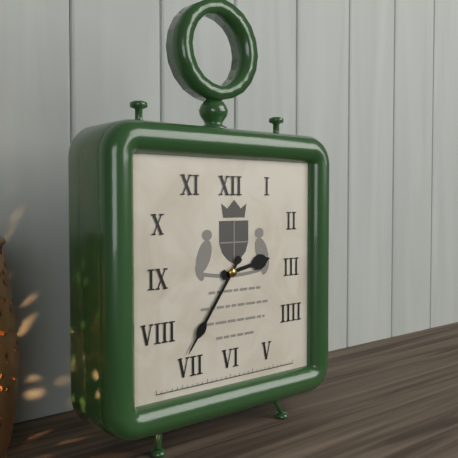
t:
**2:36**
